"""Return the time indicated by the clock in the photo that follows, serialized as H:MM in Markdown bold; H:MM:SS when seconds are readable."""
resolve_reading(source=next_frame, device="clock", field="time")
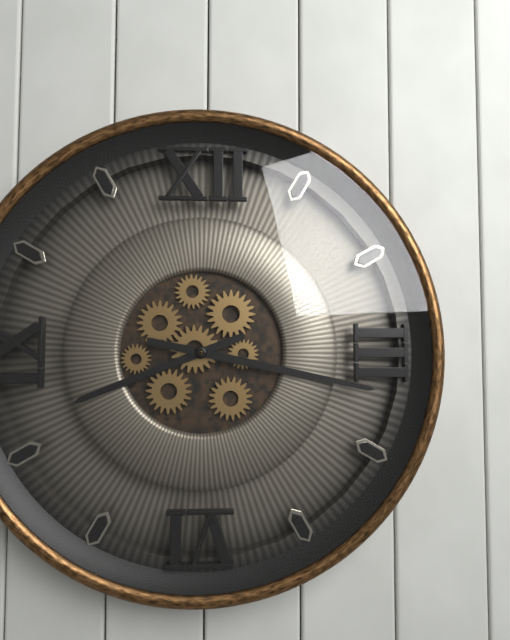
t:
**8:17**
